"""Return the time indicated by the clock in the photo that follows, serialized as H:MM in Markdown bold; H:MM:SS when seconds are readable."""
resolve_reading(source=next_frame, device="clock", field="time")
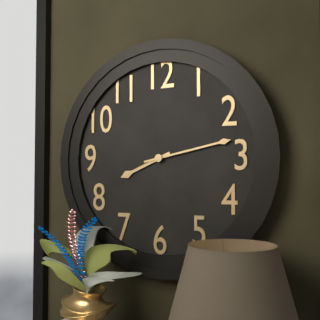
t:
**8:13**
